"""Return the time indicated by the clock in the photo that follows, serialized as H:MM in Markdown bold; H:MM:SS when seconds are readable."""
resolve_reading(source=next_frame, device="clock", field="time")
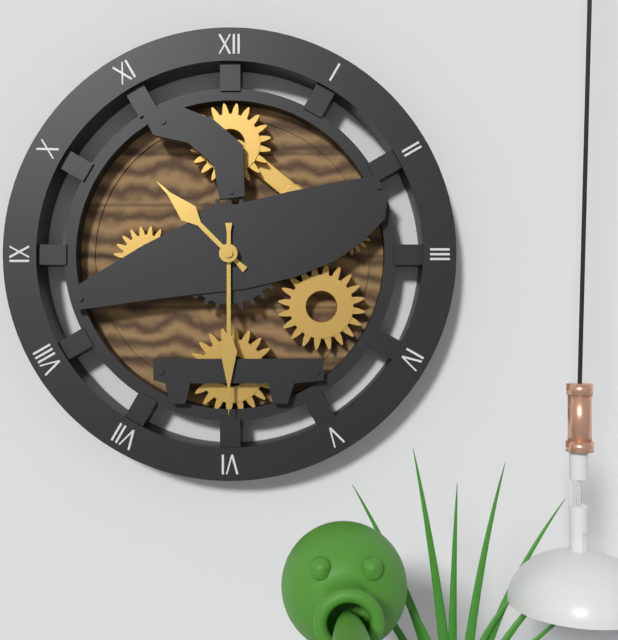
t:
**10:30**
